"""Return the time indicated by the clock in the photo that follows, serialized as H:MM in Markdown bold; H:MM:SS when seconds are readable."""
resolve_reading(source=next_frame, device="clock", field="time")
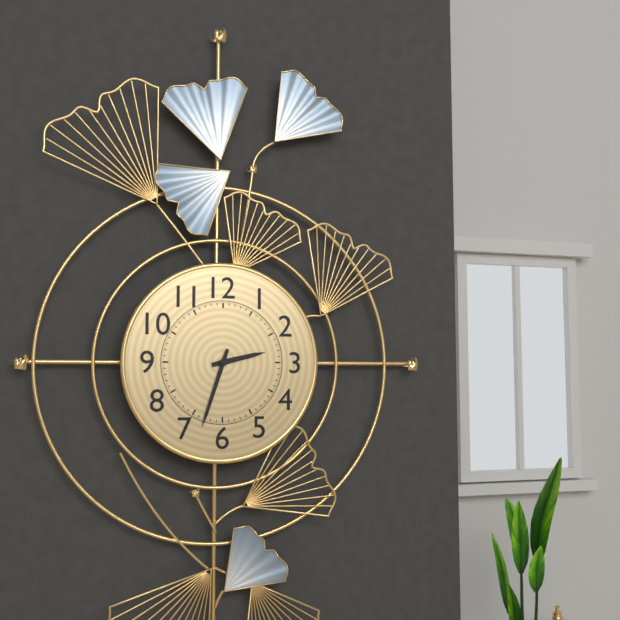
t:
**2:33**
